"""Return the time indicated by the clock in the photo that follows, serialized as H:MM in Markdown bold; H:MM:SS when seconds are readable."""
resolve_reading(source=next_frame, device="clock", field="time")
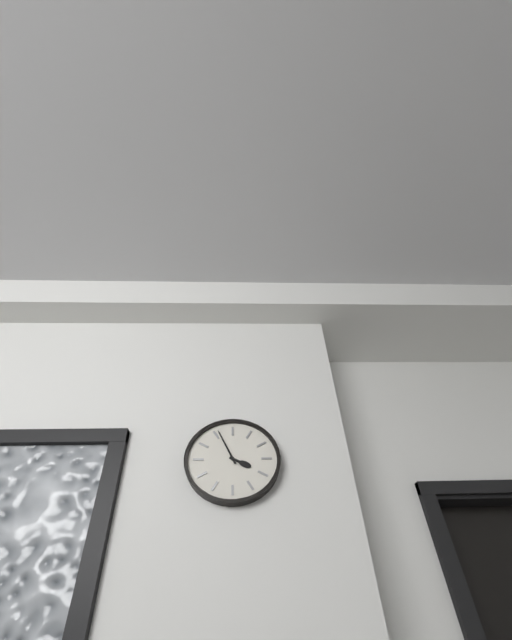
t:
**3:56**
